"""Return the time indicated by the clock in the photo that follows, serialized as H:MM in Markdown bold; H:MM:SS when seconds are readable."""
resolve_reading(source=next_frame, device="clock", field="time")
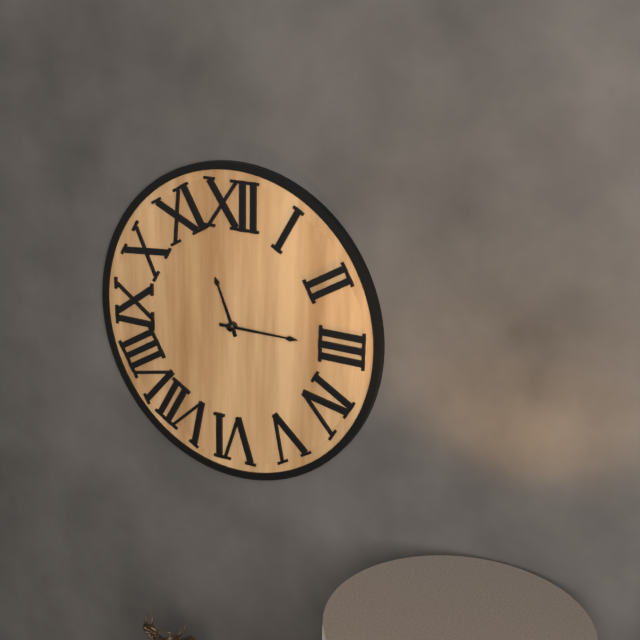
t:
**11:15**
